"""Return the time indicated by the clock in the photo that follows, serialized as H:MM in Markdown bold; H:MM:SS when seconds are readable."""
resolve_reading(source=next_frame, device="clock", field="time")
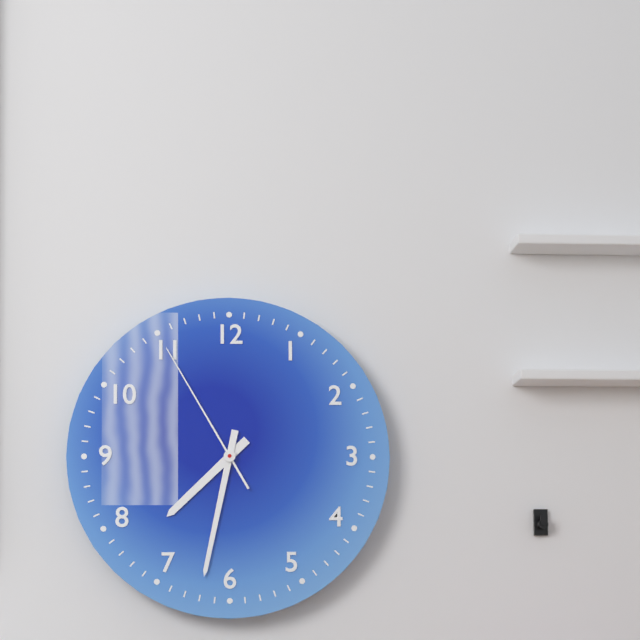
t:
**7:32:55**
